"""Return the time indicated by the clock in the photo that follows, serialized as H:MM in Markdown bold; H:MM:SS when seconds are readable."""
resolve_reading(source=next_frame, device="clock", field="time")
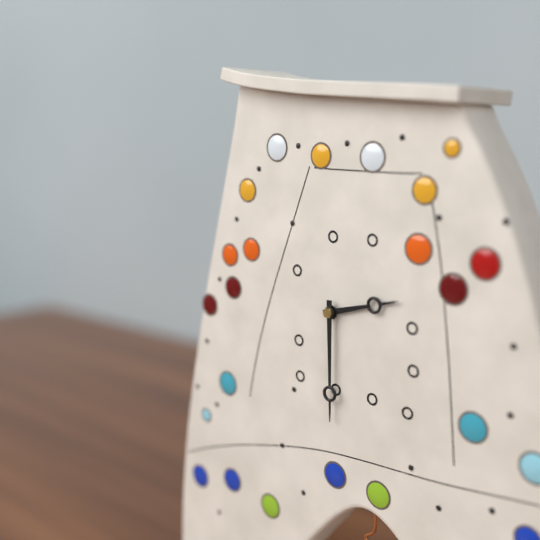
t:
**2:30**
